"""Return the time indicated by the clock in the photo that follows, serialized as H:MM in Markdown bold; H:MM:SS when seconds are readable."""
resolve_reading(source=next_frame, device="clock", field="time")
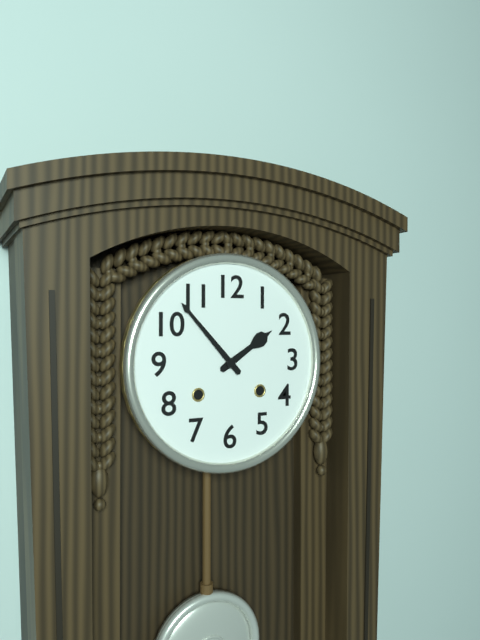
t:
**1:53**
